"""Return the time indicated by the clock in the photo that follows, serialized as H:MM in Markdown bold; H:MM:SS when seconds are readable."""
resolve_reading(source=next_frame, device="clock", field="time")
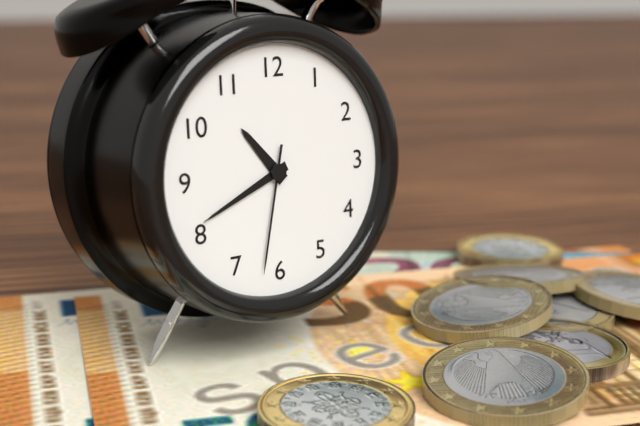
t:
**10:41:32**
